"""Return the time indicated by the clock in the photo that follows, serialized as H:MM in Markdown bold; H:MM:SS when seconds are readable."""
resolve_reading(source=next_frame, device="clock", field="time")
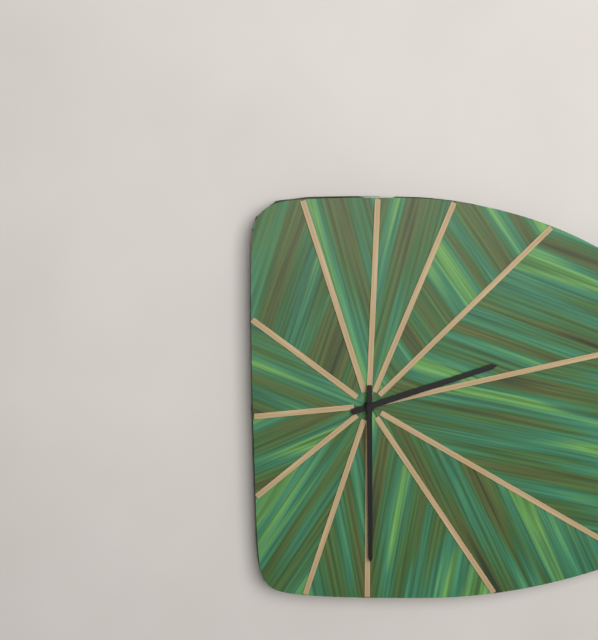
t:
**2:30**
